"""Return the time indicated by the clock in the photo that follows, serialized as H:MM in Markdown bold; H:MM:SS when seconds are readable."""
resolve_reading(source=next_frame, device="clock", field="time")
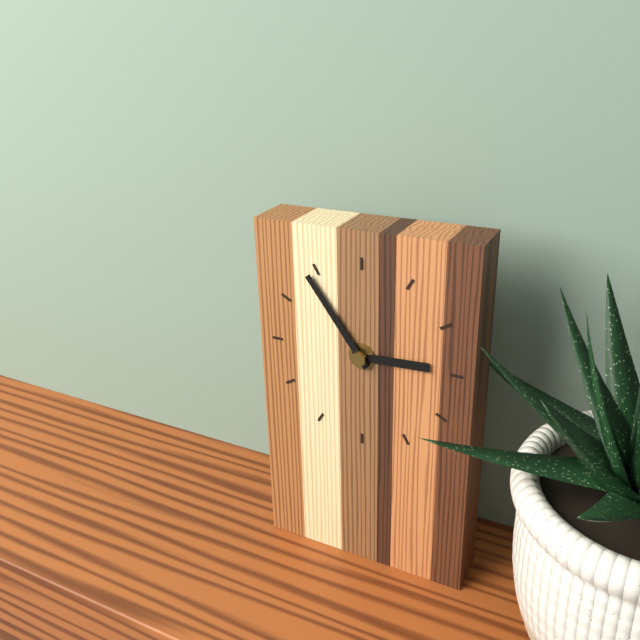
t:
**2:54**
